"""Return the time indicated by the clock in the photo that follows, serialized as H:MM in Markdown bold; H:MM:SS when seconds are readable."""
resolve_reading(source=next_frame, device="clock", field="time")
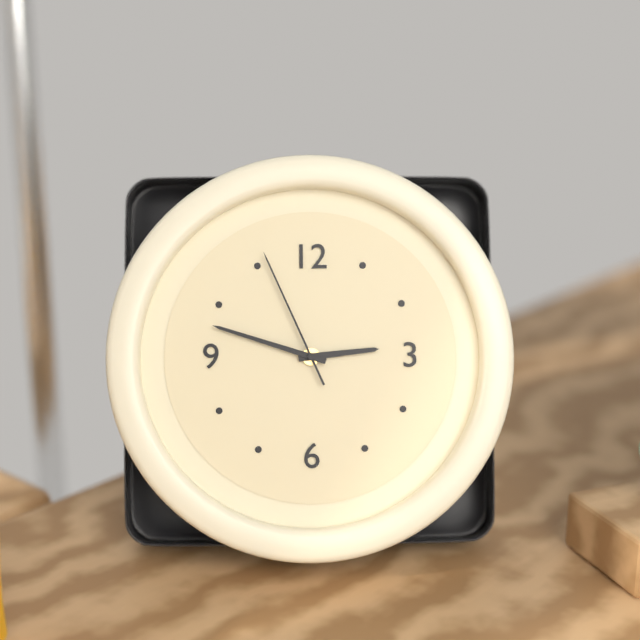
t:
**2:48:56**
